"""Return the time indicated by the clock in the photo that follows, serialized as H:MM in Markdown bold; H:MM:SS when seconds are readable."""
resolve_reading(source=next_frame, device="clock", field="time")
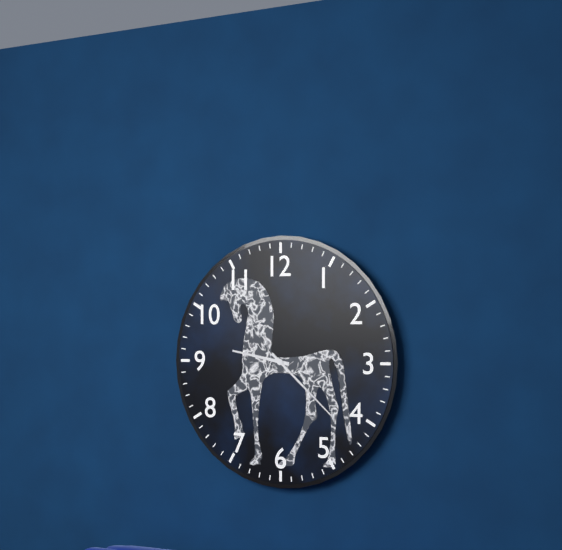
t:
**9:22**
